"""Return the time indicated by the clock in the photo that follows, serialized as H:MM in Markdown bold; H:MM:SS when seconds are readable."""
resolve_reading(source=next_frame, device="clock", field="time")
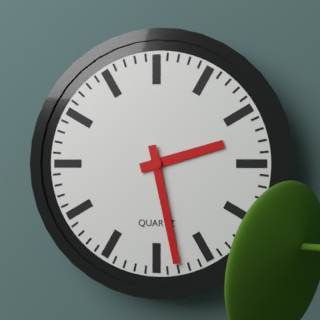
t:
**2:28**
